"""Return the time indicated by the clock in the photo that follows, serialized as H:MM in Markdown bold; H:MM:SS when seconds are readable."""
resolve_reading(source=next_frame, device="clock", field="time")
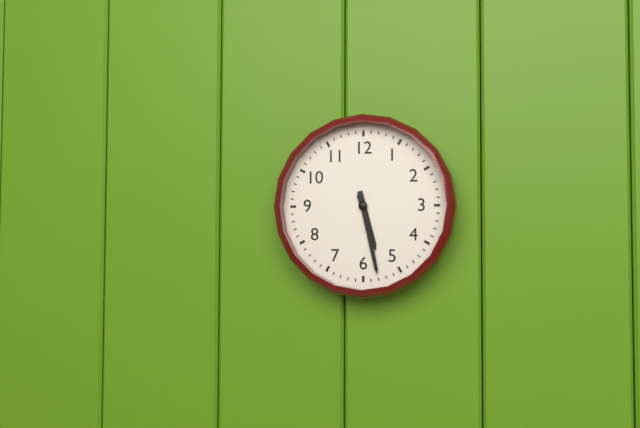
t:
**5:28**
